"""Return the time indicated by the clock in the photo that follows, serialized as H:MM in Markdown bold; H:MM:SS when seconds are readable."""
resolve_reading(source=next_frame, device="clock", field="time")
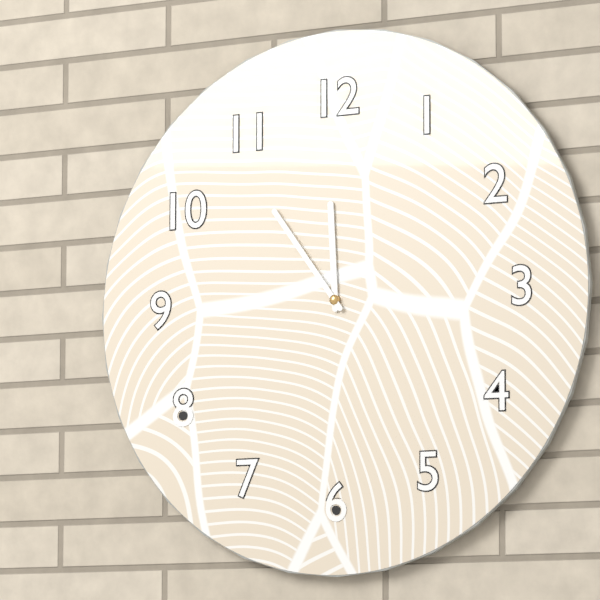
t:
**11:54**
